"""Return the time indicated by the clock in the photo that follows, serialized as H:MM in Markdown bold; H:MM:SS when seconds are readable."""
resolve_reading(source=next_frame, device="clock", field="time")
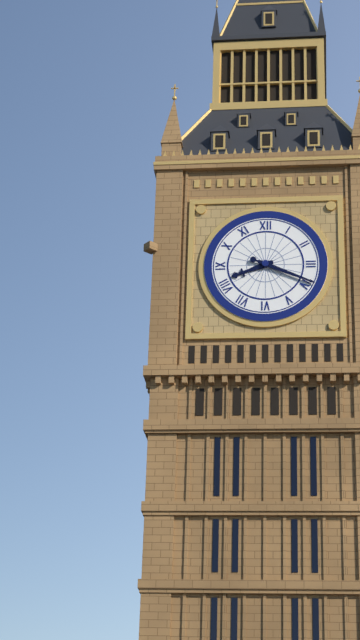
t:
**8:19**
